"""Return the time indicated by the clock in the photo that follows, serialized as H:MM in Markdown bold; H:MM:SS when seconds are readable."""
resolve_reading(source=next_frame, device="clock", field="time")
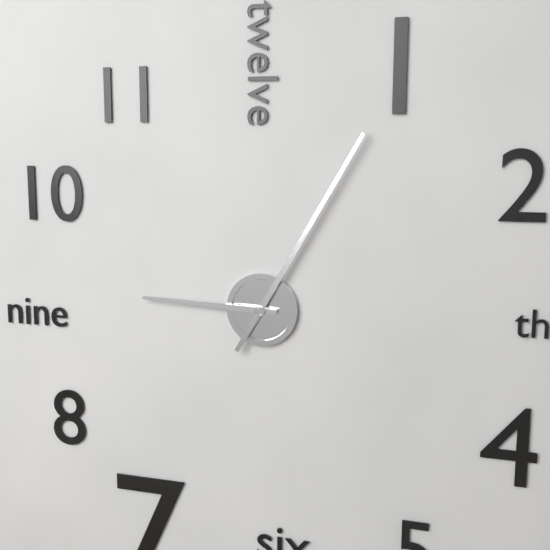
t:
**9:05**
